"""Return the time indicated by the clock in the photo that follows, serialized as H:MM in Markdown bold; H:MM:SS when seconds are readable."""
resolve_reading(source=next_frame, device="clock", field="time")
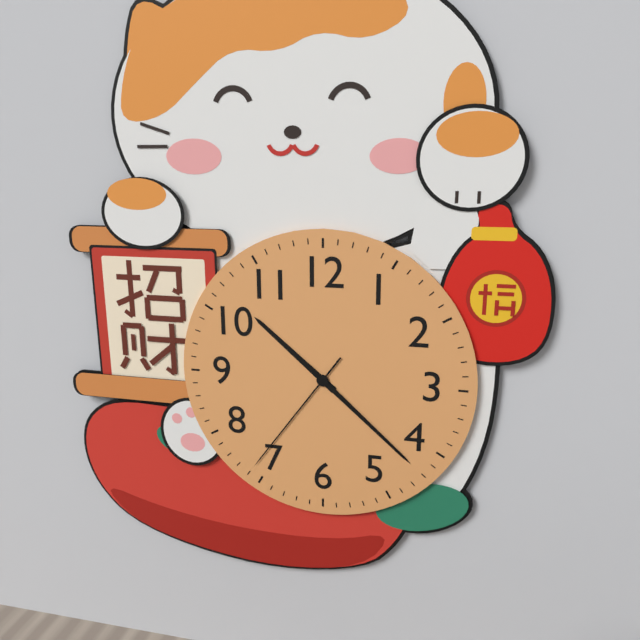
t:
**10:22:36**
